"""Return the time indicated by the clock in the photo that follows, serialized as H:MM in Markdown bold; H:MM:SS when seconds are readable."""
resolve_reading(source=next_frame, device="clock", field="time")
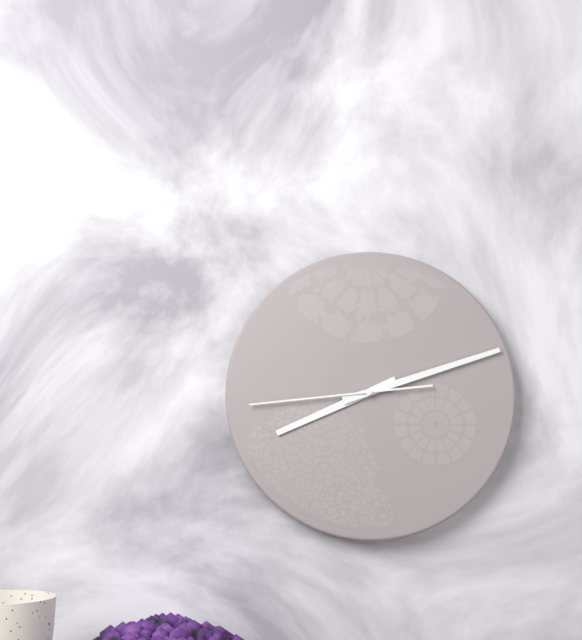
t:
**8:12:44**
